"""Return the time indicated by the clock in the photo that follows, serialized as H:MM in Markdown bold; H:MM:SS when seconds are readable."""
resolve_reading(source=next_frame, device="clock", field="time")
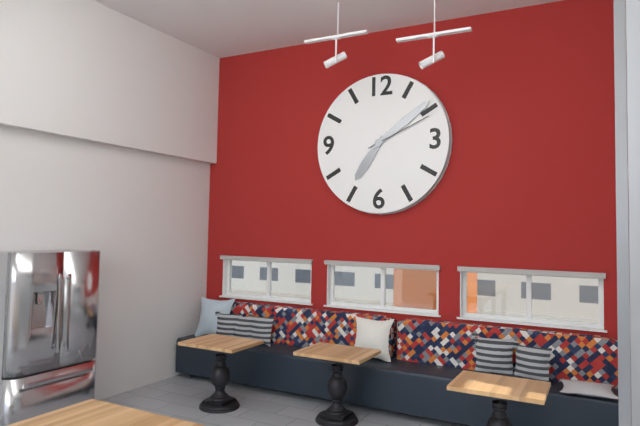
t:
**7:09:11**
